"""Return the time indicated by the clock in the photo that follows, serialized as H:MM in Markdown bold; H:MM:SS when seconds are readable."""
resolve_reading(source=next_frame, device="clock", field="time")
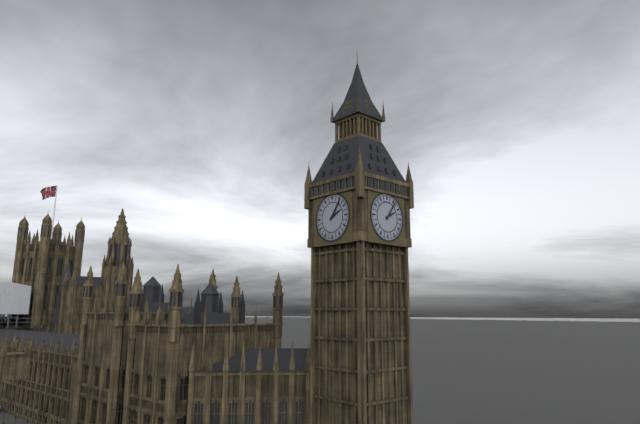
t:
**2:06**
